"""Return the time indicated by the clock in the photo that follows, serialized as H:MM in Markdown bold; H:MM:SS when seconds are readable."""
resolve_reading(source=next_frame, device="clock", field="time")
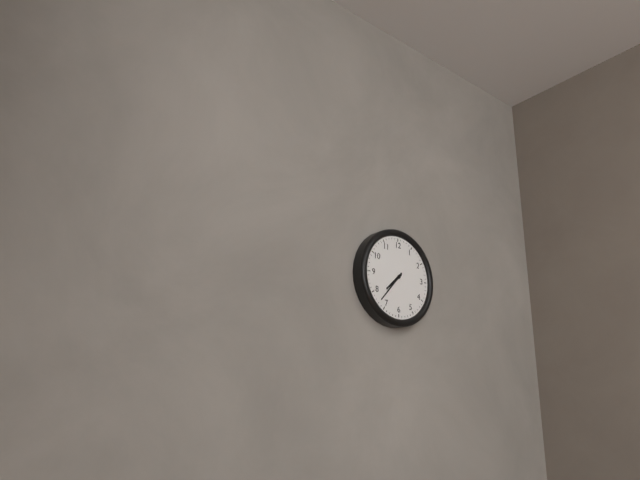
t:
**7:37**
